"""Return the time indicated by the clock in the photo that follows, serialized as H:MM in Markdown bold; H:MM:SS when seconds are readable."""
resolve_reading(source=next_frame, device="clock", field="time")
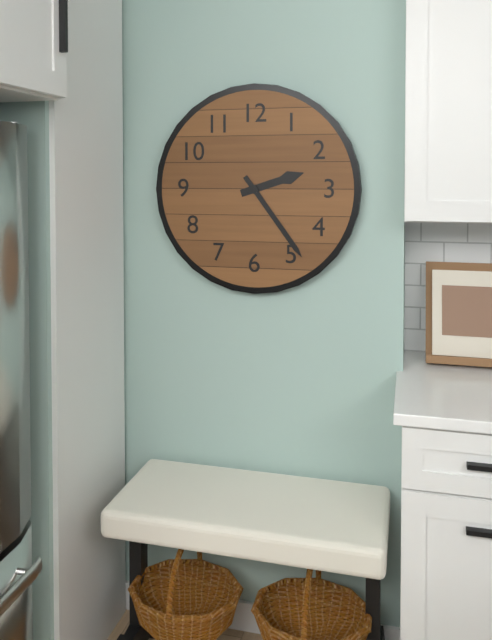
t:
**2:24**
